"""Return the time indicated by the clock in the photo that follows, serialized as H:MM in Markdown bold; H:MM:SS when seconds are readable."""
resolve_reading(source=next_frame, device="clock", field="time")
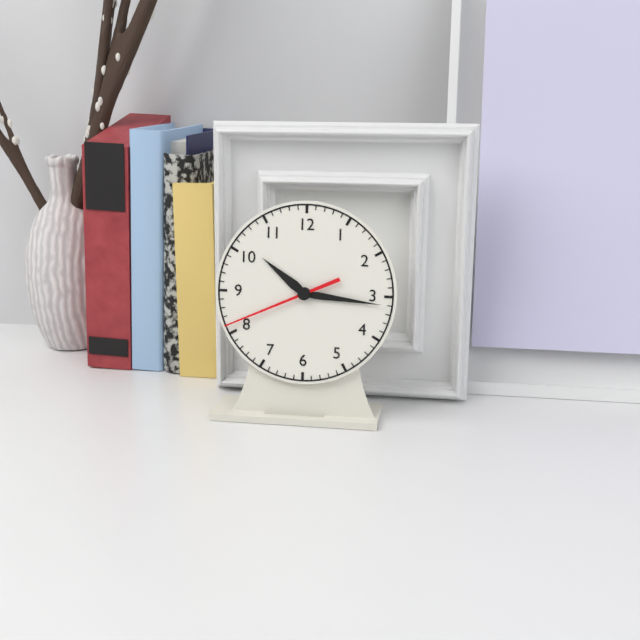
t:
**10:16:41**
